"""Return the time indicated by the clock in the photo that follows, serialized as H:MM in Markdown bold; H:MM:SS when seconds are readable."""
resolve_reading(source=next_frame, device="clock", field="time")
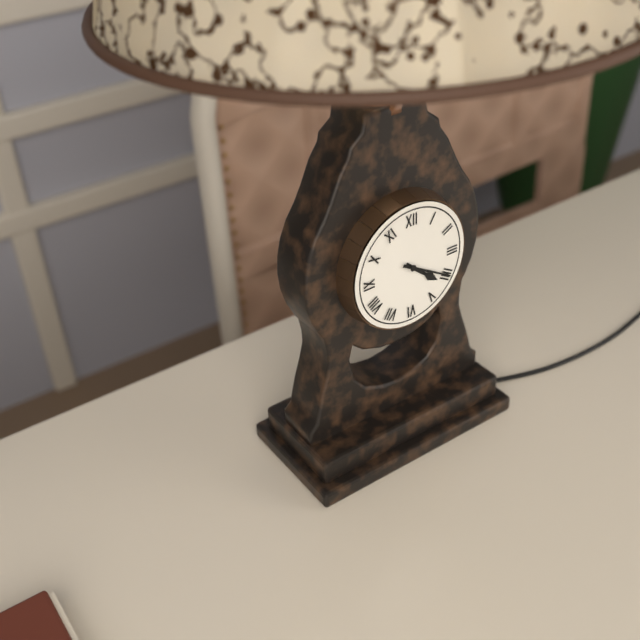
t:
**4:20**
